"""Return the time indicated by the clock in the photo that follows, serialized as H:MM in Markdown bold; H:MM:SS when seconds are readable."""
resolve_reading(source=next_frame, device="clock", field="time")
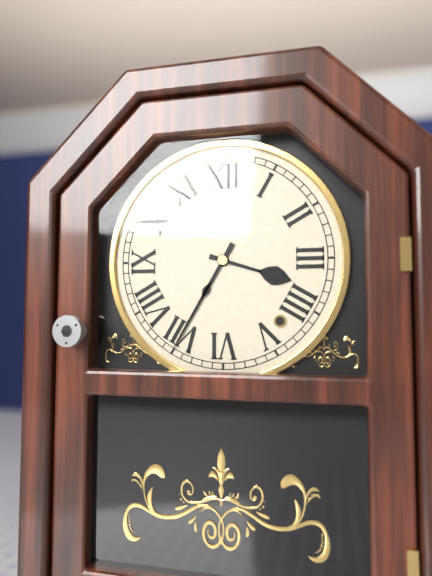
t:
**3:35**
